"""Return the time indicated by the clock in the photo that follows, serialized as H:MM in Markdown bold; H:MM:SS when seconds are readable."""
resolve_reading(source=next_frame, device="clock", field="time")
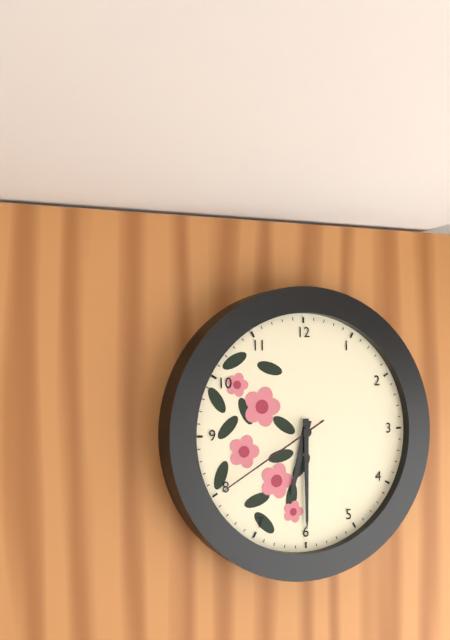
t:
**6:30:40**
